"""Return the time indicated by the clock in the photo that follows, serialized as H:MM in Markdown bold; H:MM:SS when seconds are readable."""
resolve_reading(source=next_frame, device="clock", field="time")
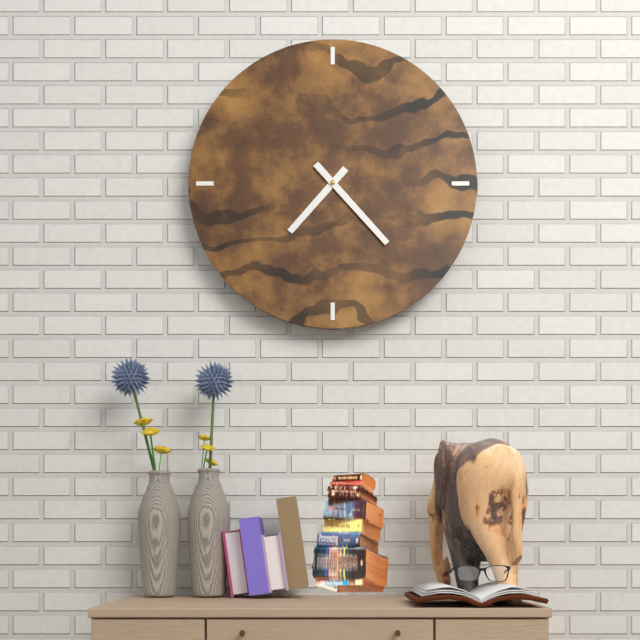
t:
**7:23**
